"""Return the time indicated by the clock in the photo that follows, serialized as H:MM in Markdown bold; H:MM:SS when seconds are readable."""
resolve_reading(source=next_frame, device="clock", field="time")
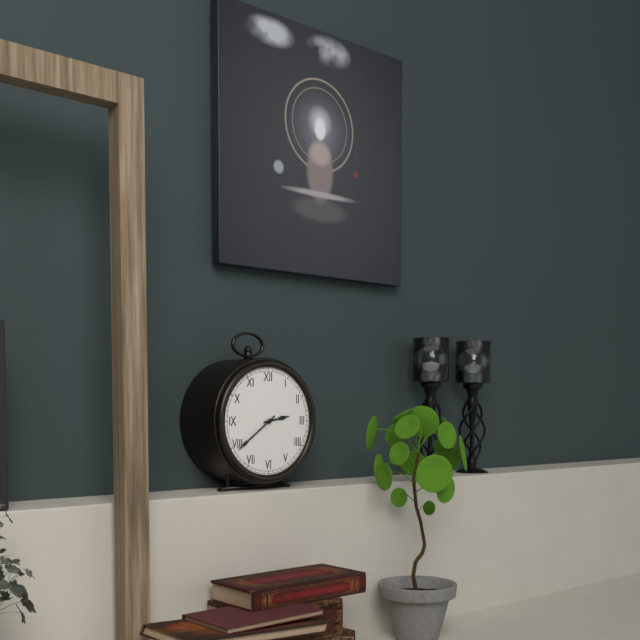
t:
**2:39**
